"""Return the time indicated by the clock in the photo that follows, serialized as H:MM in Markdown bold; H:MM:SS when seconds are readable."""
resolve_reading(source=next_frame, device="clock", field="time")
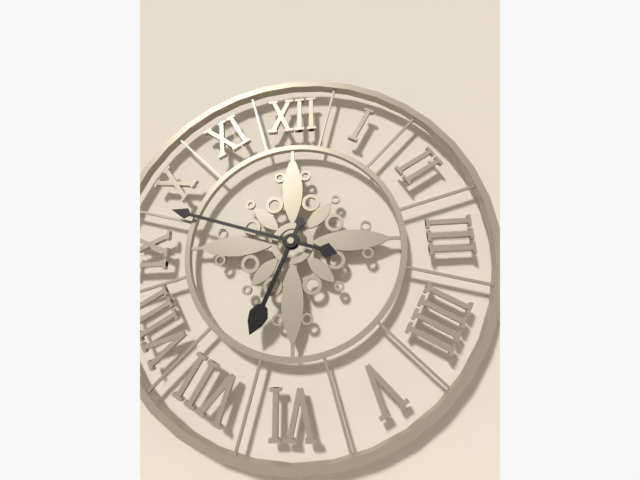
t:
**6:48**
